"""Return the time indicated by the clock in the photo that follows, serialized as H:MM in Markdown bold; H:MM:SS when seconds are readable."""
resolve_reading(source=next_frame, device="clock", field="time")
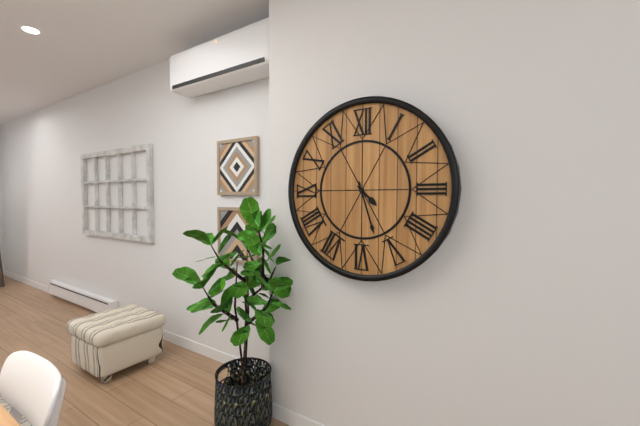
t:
**4:27**
